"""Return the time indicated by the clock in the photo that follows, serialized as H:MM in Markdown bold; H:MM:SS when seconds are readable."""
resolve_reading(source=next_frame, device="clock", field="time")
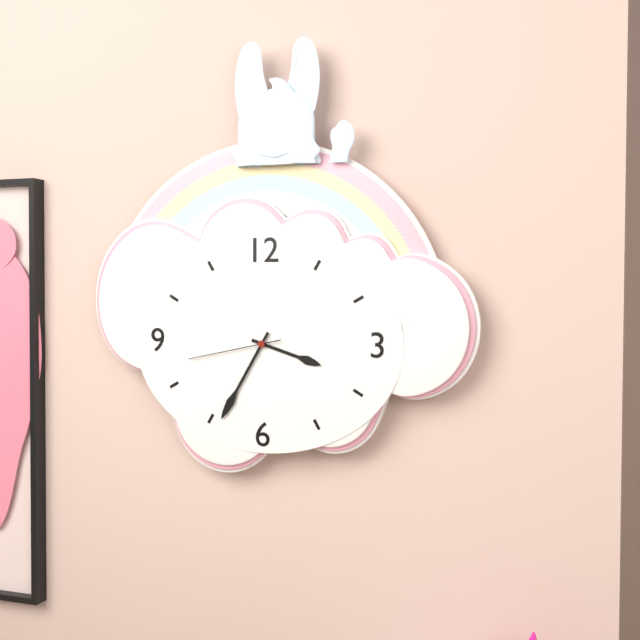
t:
**3:35:43**
